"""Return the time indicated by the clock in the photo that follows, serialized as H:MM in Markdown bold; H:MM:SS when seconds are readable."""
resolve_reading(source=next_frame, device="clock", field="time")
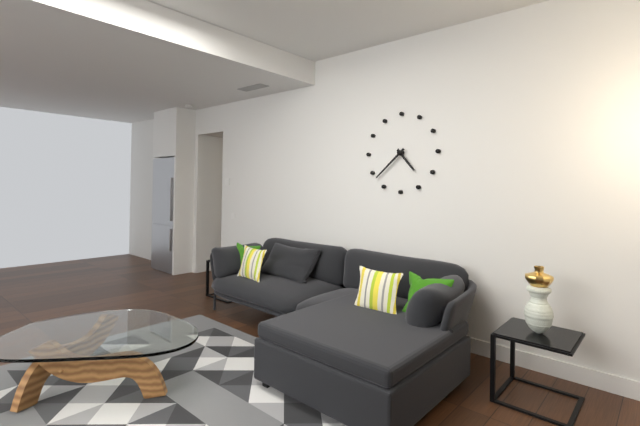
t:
**4:38**
